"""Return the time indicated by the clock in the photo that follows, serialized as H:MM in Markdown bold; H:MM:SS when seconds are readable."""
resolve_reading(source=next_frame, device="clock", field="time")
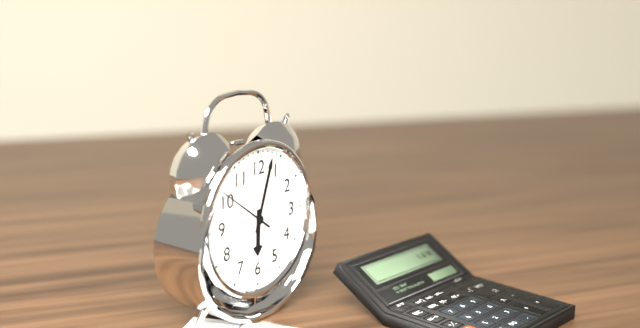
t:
**6:03:51**
